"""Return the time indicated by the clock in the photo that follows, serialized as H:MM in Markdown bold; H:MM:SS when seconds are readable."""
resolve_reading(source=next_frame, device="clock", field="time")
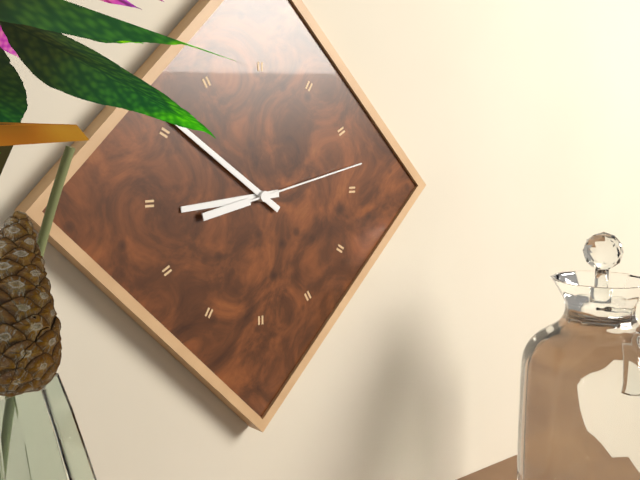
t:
**8:51:13**
